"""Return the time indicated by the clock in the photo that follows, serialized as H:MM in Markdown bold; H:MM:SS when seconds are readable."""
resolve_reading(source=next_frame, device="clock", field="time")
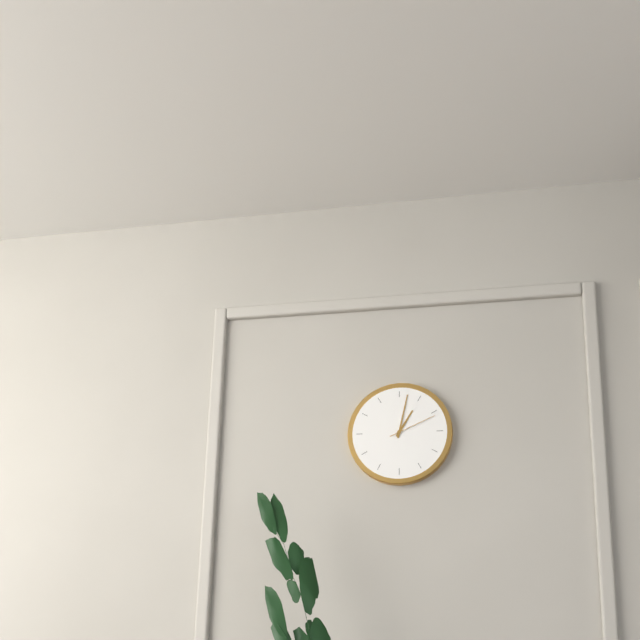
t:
**1:02**
